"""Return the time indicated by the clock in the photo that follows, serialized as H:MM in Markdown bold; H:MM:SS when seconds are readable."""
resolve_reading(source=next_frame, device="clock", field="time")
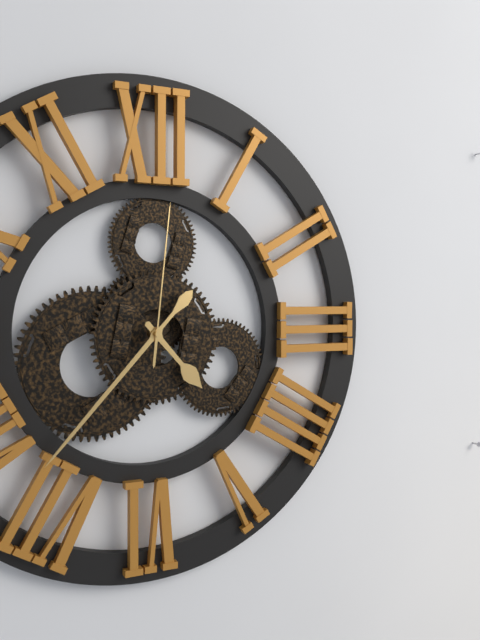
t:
**4:37:01**
